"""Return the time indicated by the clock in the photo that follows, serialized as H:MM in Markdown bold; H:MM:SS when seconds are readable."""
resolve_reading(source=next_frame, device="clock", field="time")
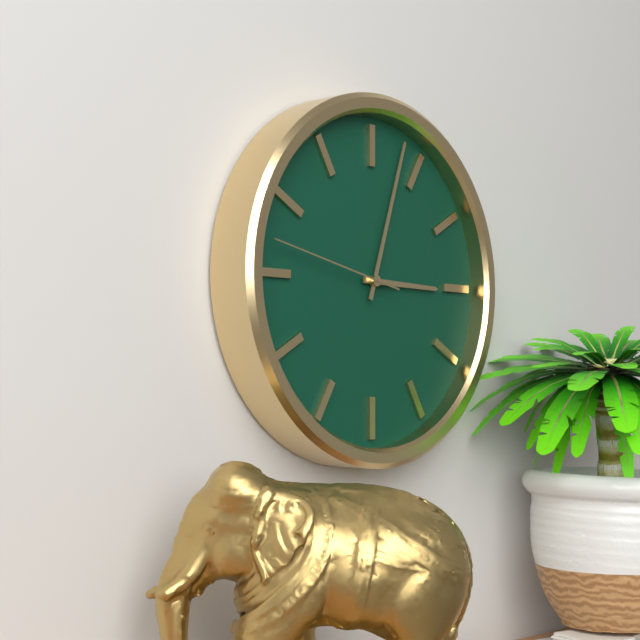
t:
**3:03:47**
